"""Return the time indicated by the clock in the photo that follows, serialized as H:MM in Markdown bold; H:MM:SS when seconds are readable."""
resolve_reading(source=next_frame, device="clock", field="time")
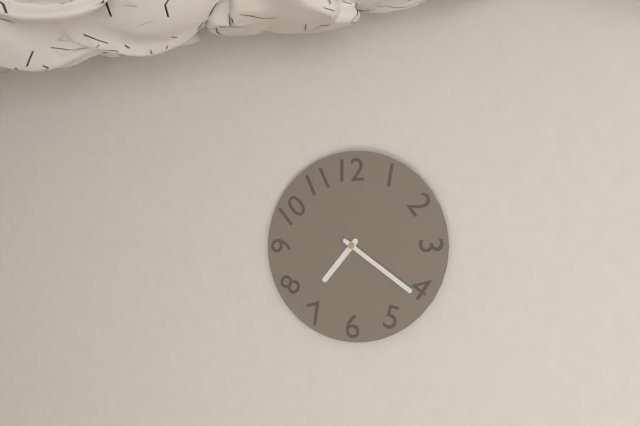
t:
**7:21**
